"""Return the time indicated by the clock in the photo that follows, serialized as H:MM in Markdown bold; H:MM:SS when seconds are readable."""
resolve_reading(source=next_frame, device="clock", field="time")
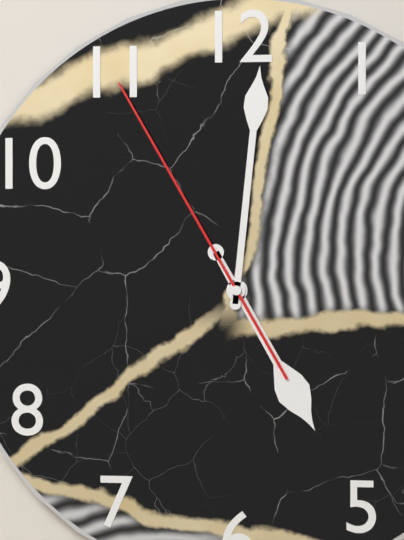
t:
**5:01:55**
